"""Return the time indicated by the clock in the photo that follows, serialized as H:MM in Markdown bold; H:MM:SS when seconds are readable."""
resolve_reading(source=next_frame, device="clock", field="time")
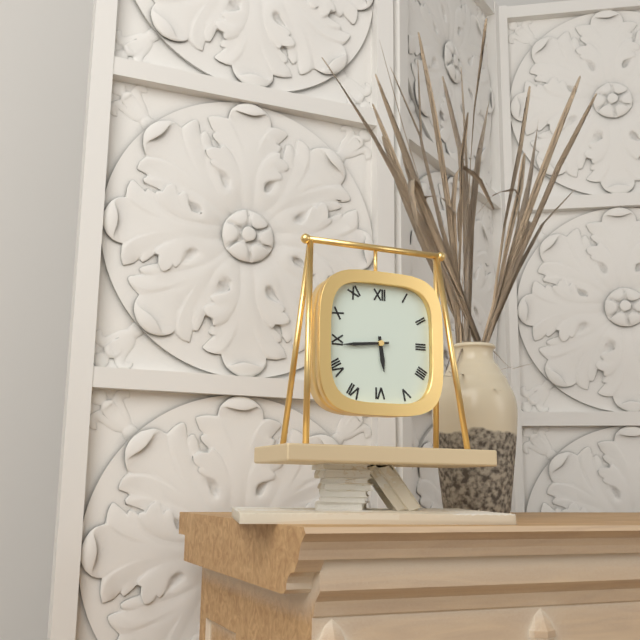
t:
**5:44**
